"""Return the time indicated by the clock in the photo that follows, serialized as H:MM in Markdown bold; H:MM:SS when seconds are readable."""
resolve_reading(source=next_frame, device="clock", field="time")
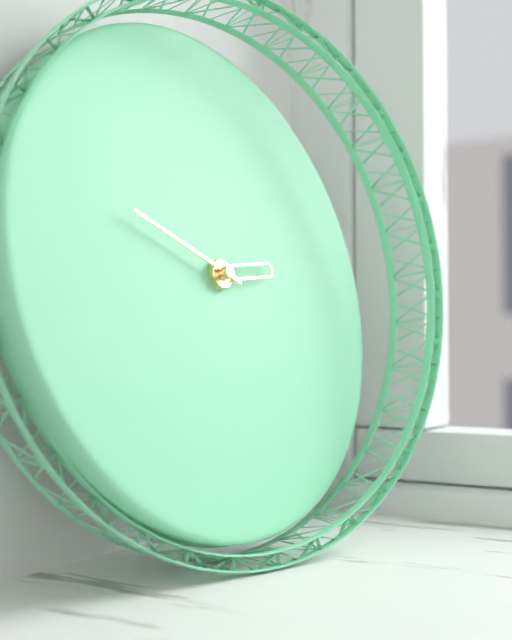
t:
**2:49**
